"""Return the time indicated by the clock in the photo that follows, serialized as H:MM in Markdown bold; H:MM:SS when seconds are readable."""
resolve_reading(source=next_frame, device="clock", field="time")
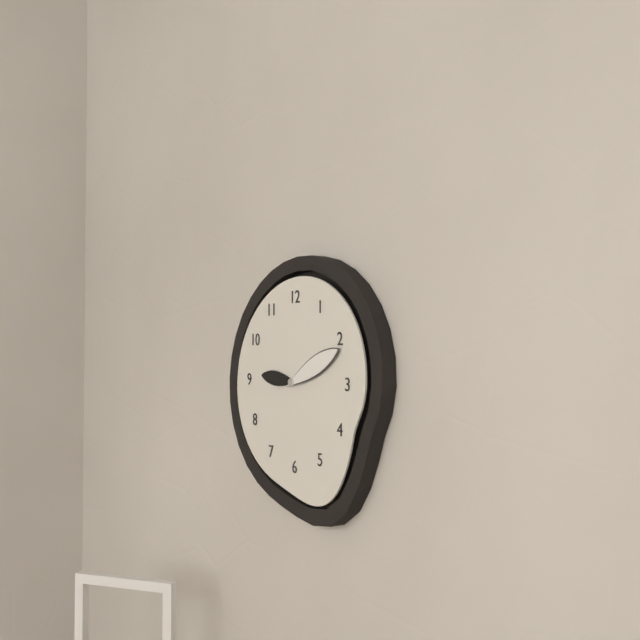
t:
**9:11**
